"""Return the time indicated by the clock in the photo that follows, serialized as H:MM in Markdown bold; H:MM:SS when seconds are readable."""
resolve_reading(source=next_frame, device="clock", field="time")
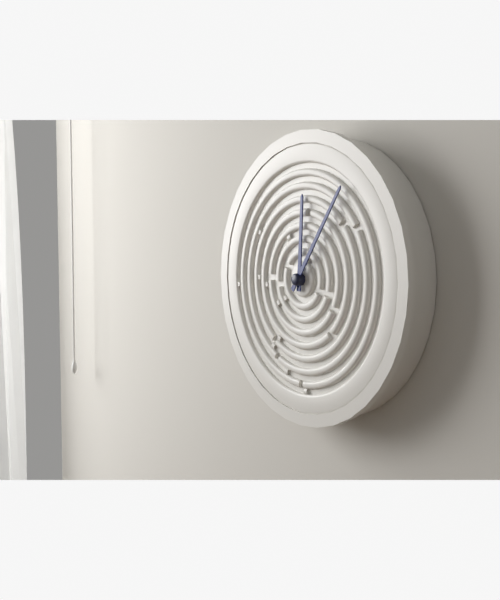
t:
**12:06**
